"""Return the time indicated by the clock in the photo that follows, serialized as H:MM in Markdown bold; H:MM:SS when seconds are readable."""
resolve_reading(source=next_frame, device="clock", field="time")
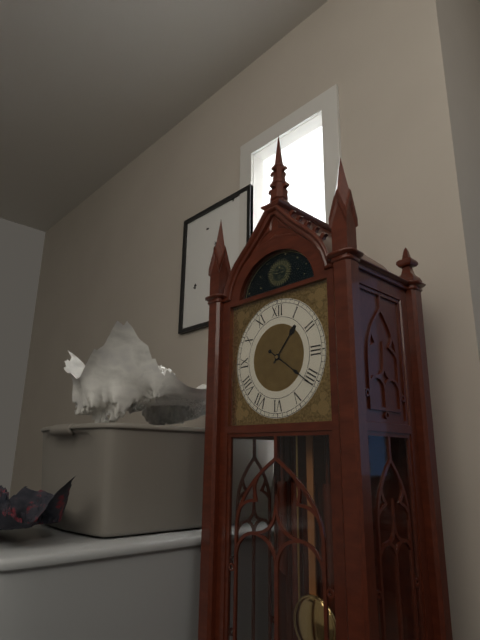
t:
**1:21**
